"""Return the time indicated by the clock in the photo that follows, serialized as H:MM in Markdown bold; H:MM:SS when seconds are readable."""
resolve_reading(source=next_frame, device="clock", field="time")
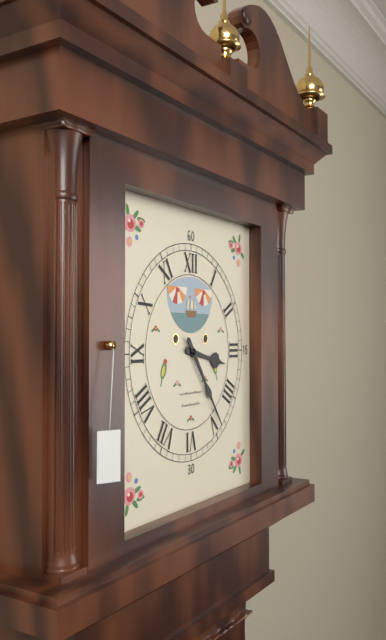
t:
**3:24**
